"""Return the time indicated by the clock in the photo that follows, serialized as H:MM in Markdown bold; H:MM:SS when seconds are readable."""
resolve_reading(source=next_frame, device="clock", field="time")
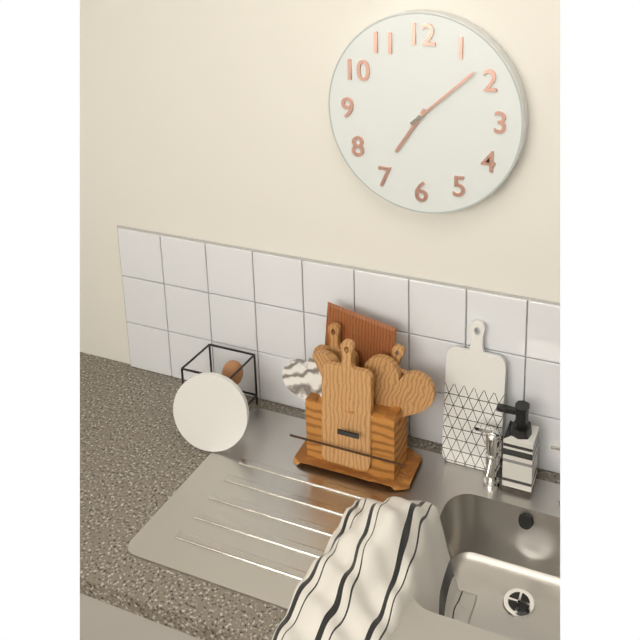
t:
**7:08**
